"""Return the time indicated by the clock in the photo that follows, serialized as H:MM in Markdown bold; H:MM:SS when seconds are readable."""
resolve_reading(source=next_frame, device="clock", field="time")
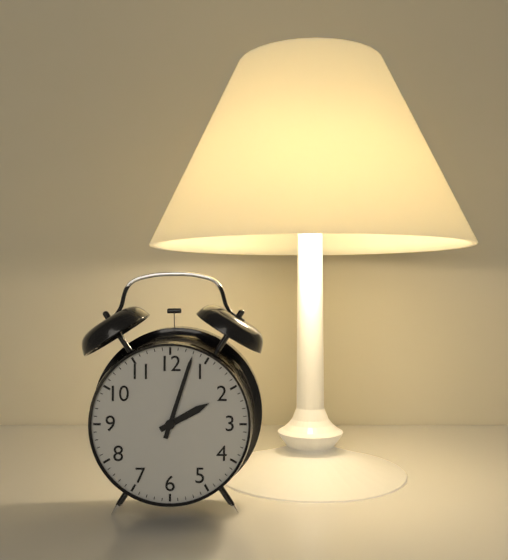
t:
**2:03**
